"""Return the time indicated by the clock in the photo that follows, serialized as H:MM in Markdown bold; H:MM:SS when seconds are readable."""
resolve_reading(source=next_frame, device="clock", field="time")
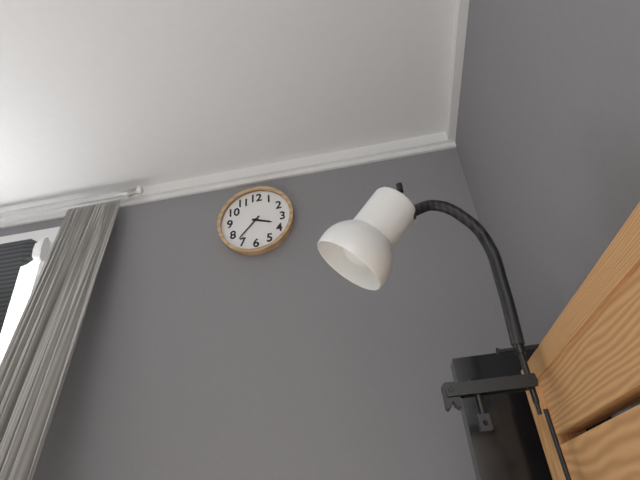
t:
**3:37**
